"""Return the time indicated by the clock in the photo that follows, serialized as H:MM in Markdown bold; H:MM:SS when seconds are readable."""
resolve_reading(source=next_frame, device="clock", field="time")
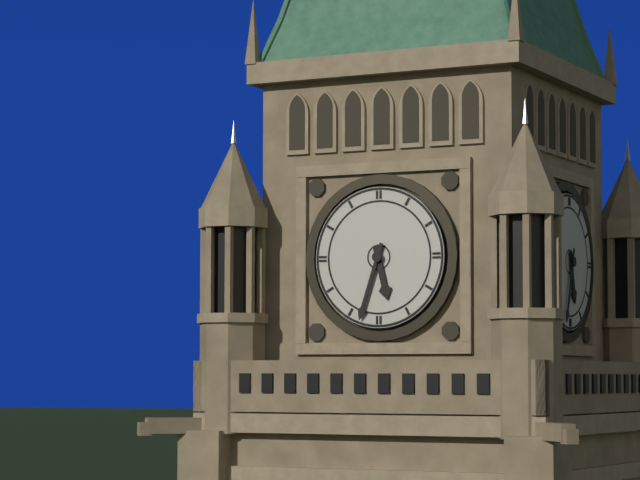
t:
**5:33**
